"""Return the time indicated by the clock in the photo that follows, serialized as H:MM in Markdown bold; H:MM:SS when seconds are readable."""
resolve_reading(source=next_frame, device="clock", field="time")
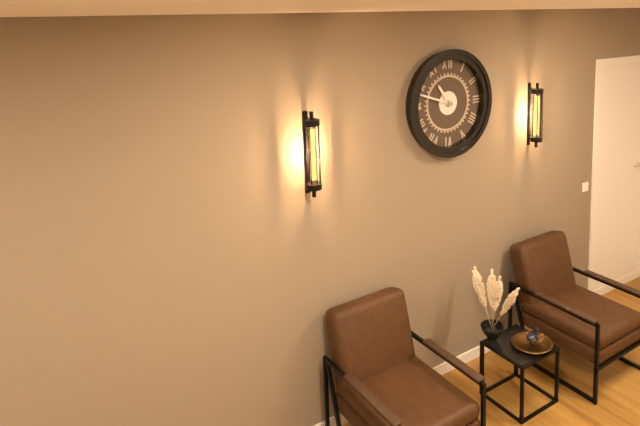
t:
**10:48**
